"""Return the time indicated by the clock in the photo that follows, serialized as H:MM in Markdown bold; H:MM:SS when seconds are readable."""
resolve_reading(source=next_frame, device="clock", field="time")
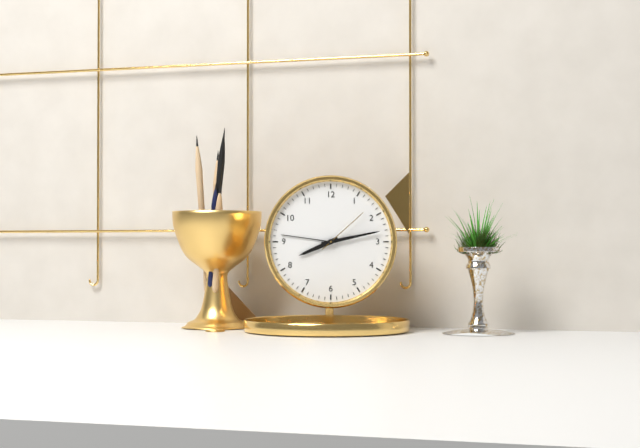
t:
**8:13:08**
